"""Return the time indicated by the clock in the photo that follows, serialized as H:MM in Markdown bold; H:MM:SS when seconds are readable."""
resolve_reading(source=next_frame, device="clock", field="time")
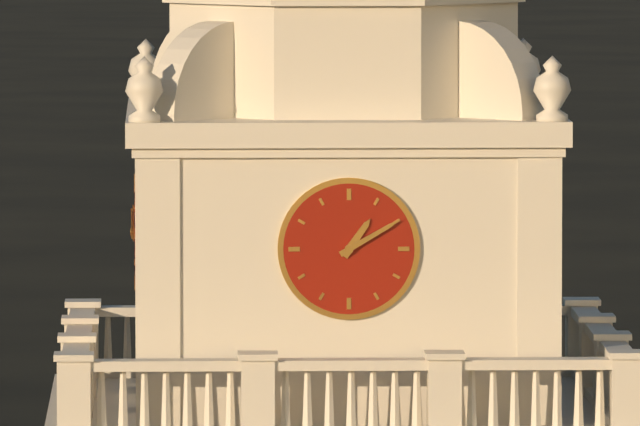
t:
**1:10**
